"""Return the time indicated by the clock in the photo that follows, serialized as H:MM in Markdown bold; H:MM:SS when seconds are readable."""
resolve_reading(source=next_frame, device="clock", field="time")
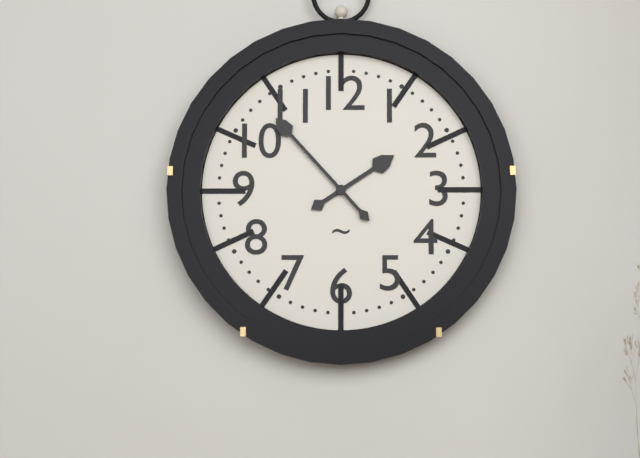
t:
**1:53**
